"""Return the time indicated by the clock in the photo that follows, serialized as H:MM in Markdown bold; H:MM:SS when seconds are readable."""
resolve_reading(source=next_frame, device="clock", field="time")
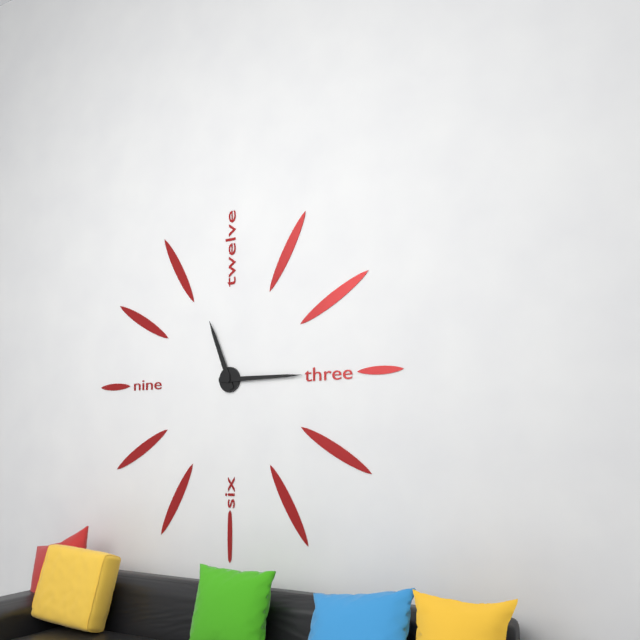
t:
**11:15**
